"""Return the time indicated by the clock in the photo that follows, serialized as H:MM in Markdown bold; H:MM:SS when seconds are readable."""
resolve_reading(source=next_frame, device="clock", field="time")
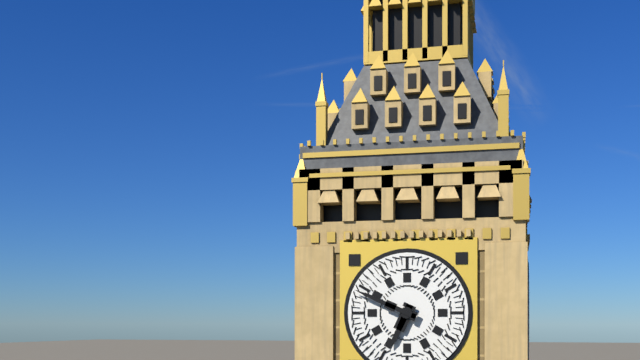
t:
**6:49**
